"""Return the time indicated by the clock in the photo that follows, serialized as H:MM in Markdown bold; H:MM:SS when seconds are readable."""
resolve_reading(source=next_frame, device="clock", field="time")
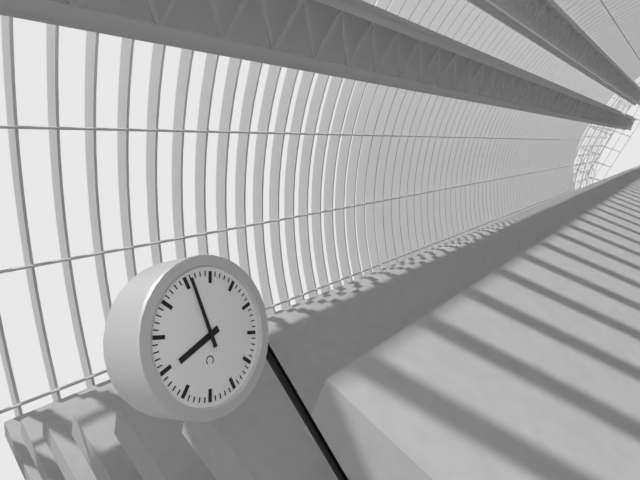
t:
**7:56**
